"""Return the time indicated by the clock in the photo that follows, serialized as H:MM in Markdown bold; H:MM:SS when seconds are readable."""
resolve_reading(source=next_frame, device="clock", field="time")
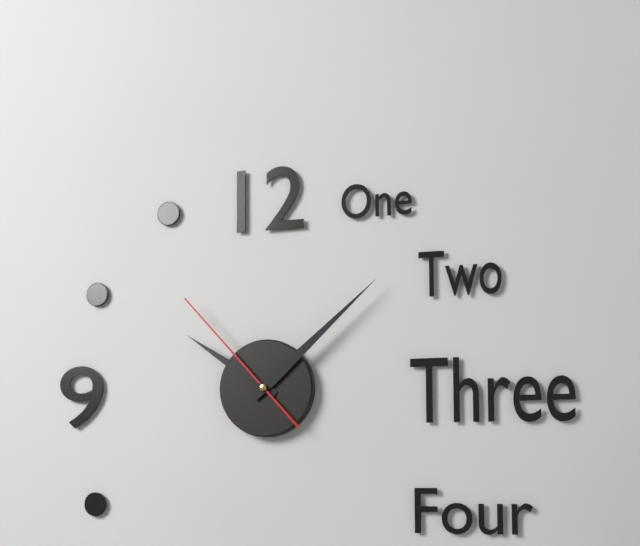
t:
**10:08:53**
